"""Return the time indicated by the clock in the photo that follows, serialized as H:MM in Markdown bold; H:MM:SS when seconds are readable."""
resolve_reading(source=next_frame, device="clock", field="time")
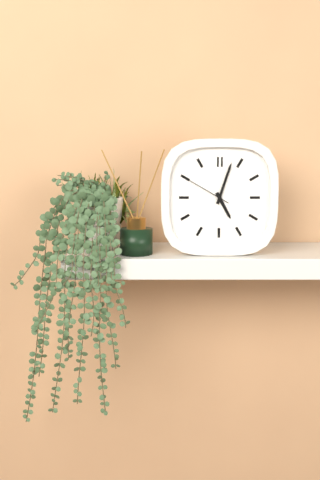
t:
**5:03**
